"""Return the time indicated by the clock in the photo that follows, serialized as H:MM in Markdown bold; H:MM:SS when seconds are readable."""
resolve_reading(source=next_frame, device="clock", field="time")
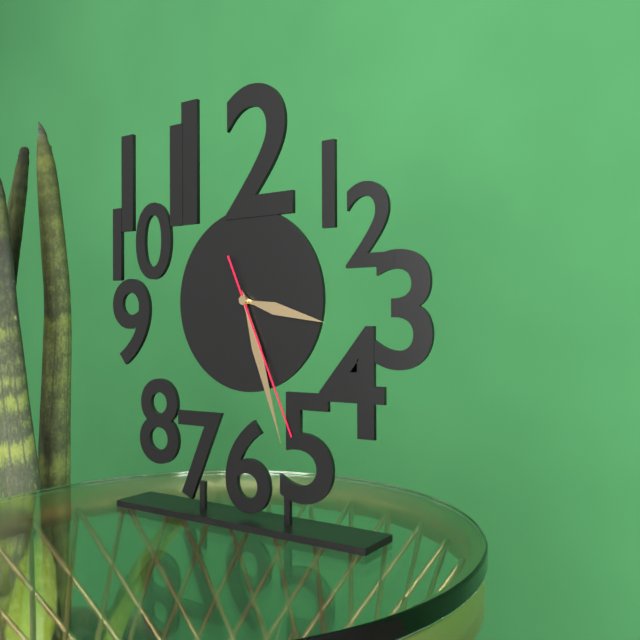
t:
**3:27:26**
